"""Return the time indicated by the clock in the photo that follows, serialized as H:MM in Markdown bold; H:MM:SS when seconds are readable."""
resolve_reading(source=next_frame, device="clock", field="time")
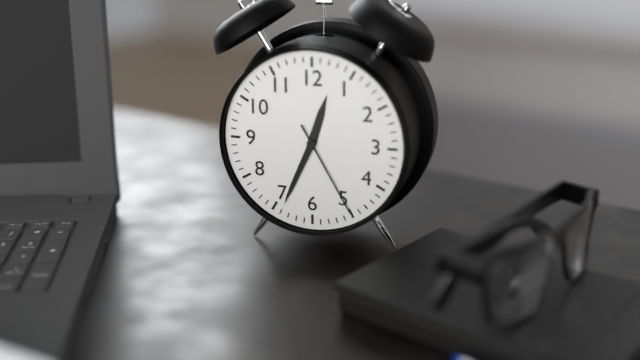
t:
**12:34:25**
